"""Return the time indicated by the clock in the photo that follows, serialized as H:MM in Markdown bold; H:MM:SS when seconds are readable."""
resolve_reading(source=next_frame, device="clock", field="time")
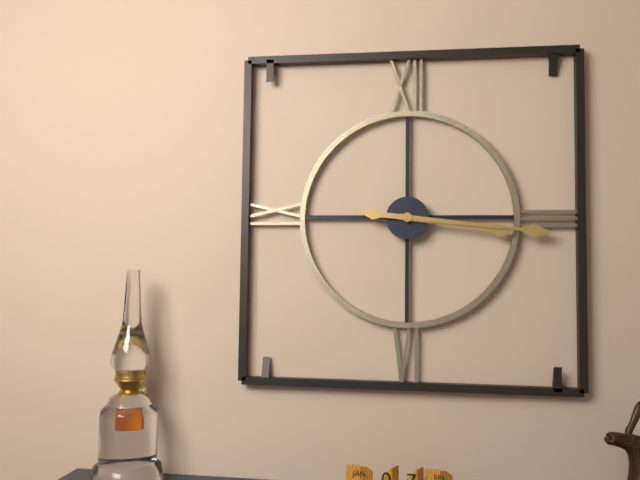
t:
**3:16**
